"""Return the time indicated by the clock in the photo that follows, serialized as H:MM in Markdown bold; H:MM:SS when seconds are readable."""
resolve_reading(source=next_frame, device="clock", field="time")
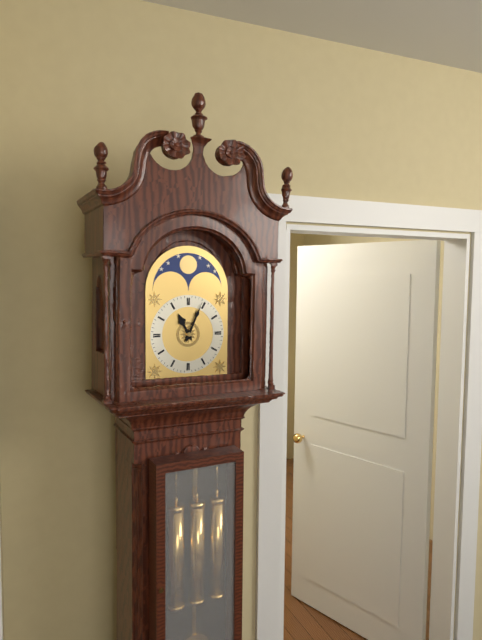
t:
**11:04**
